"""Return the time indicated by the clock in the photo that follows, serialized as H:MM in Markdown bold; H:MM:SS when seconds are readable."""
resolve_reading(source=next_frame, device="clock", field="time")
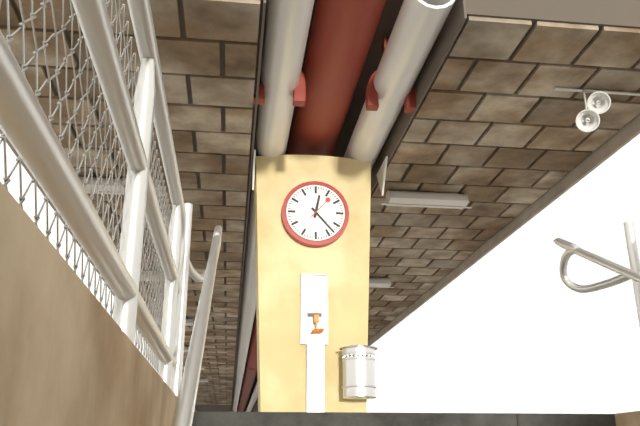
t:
**12:23**
